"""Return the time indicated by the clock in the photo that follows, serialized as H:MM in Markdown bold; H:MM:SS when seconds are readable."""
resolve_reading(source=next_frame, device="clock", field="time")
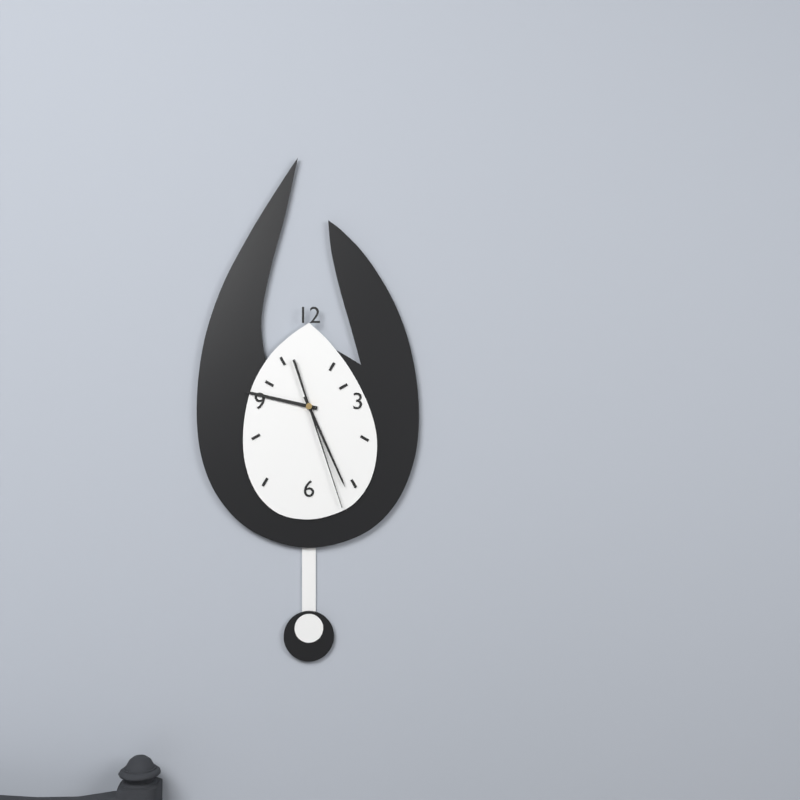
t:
**9:26:27**
